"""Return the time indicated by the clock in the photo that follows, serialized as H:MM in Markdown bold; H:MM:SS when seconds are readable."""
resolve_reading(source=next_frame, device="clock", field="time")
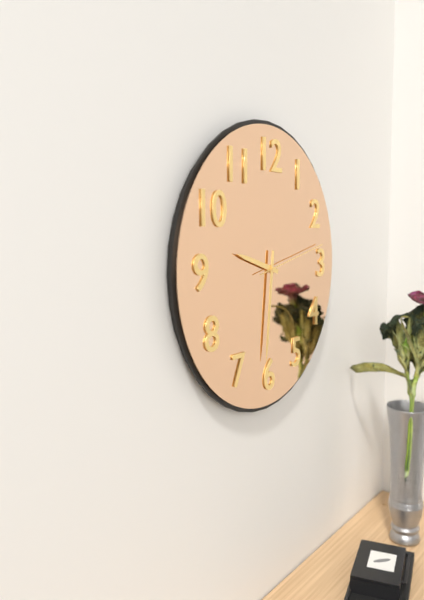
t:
**9:31:13**
